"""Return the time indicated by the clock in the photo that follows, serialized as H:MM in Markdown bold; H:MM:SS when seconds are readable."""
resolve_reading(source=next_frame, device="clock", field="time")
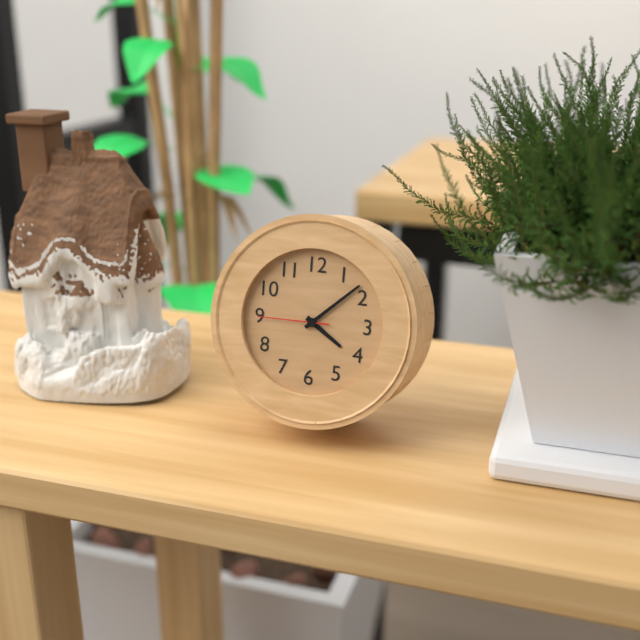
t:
**4:08:45**
